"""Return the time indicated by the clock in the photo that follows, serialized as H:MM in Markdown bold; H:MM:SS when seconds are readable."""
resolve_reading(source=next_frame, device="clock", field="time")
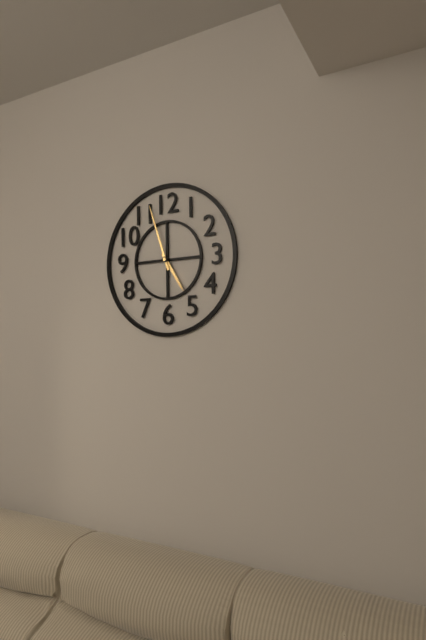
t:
**4:57**
